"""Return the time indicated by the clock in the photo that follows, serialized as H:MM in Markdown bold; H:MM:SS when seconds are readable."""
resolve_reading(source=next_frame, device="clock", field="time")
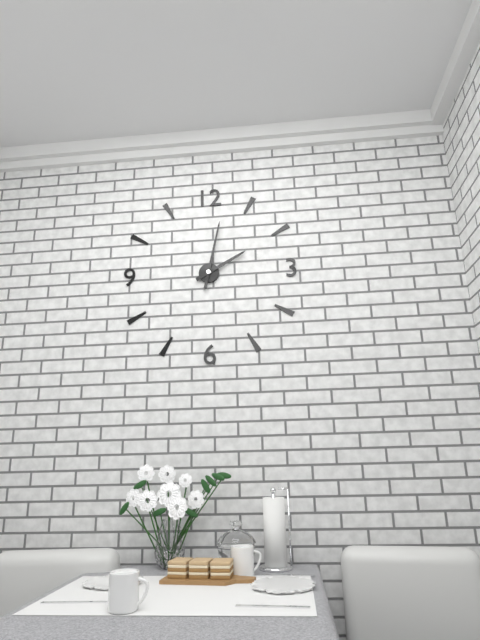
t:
**2:02**
